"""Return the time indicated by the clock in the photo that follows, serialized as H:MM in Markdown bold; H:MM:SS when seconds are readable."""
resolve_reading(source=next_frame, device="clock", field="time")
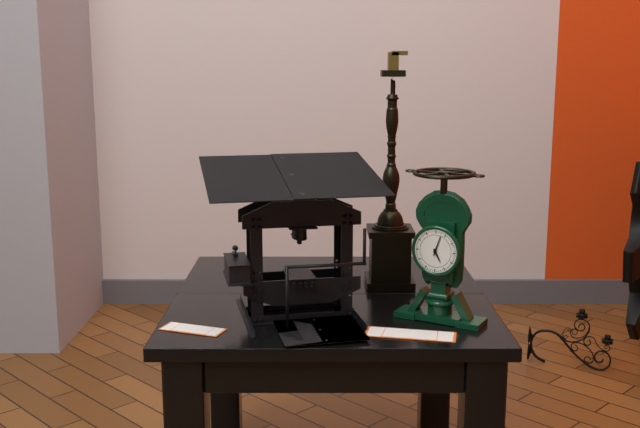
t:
**5:03**
